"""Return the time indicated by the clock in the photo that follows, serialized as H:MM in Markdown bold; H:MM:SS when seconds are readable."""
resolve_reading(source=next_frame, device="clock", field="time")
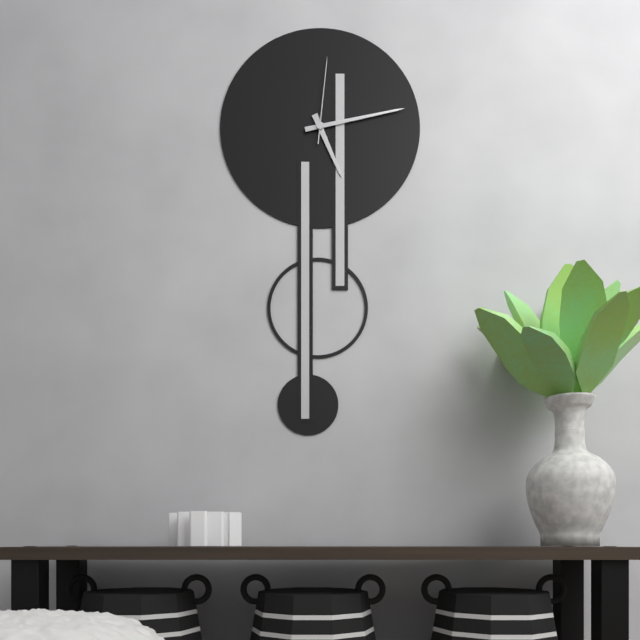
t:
**5:13:01**
